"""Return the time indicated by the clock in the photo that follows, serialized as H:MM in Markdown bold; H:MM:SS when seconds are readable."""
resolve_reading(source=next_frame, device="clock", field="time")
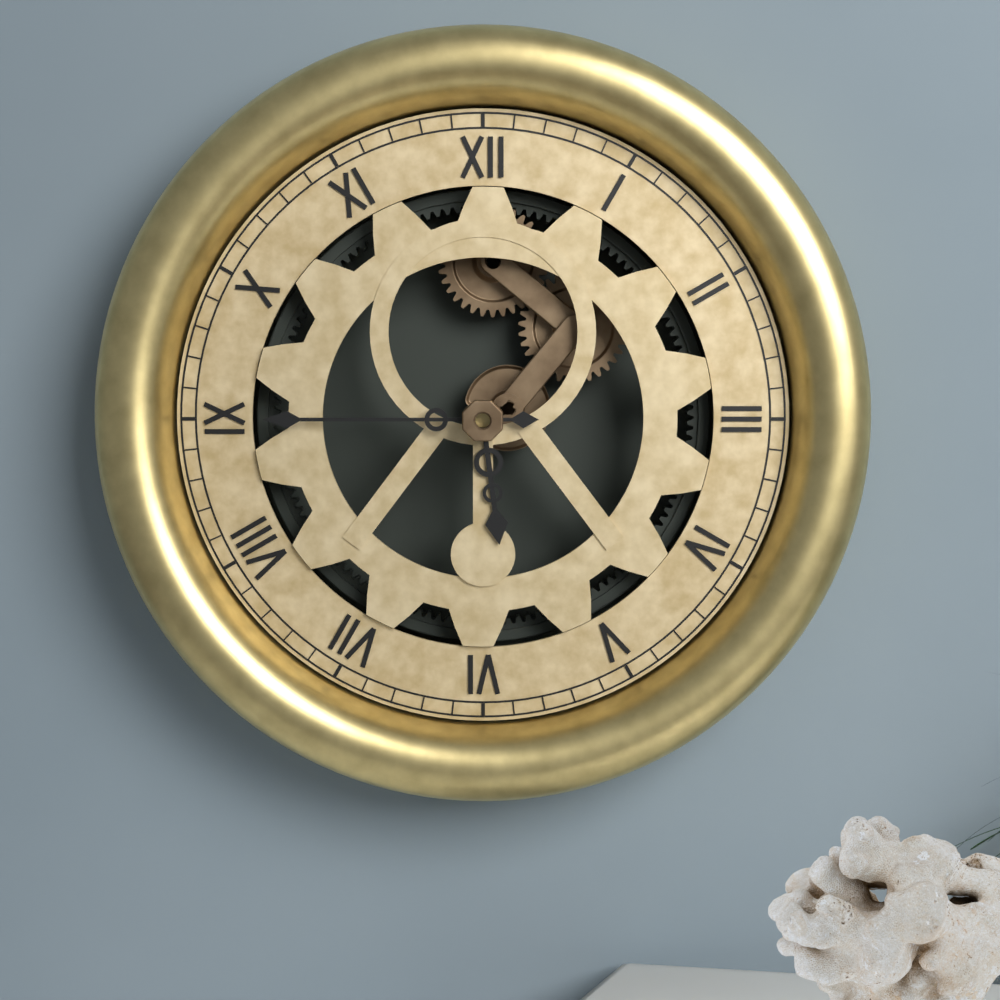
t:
**5:45**
